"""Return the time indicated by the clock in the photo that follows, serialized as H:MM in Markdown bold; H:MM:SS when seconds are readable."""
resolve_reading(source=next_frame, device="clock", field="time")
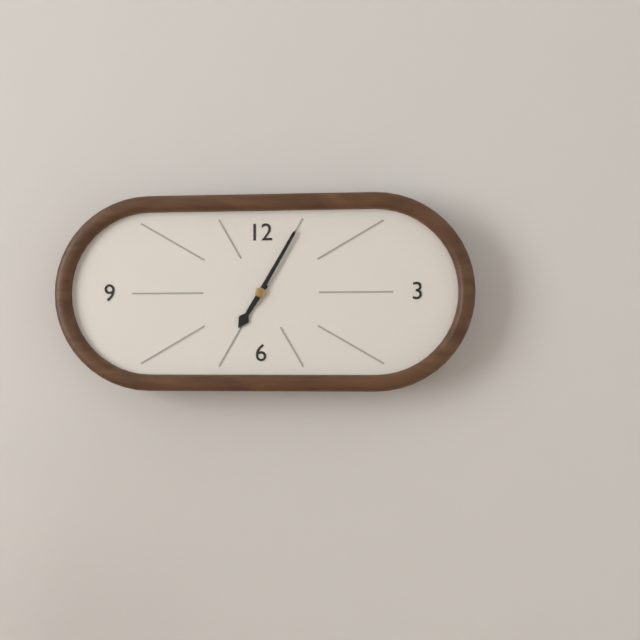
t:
**7:05**
